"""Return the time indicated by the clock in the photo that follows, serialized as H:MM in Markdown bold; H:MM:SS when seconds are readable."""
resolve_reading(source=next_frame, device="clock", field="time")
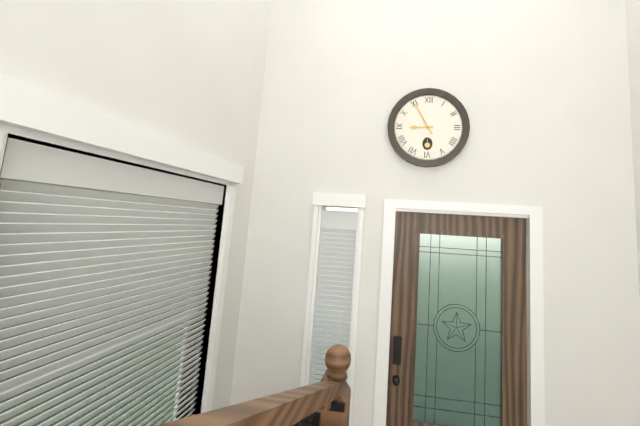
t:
**8:55**
